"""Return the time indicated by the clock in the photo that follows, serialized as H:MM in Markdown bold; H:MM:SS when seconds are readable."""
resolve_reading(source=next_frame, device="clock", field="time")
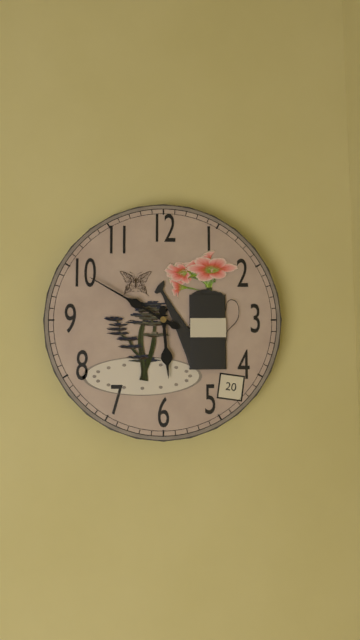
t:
**5:50**
